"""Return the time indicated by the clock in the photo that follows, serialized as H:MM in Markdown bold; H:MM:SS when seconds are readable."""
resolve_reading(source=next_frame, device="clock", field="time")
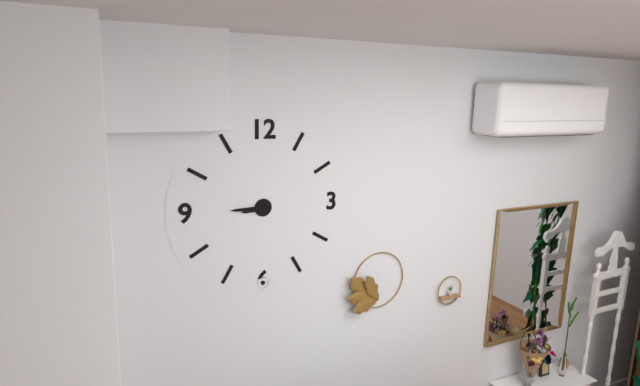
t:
**8:45**
